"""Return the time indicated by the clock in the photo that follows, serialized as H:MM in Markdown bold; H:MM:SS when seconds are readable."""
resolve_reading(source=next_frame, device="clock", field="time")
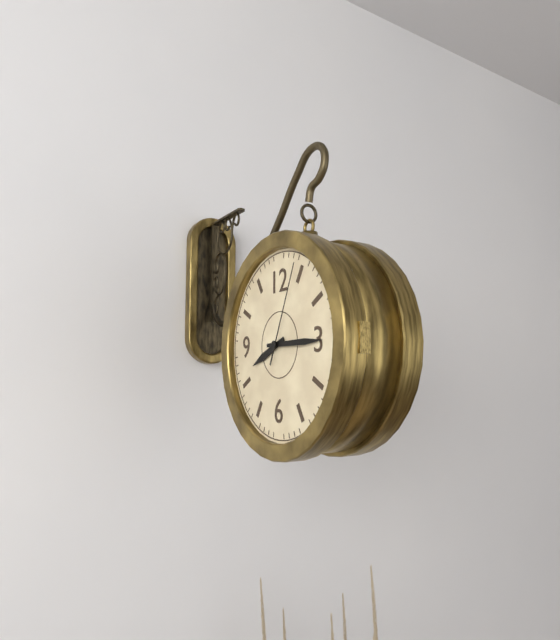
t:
**8:15:04**
